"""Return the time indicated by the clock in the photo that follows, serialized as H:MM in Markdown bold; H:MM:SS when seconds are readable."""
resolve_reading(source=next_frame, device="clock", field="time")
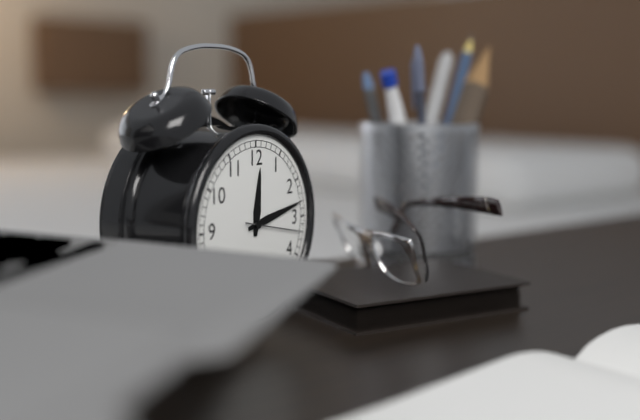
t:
**12:13:17**
